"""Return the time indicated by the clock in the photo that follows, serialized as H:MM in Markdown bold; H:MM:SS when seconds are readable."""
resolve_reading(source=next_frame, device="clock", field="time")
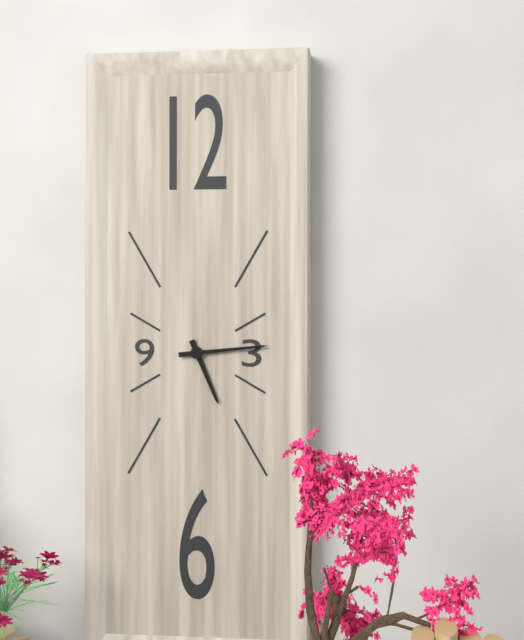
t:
**5:14**
